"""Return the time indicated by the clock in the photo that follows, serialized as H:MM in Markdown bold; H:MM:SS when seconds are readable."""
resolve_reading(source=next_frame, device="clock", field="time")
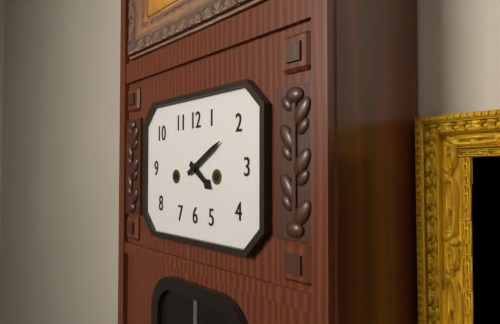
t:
**4:10**
